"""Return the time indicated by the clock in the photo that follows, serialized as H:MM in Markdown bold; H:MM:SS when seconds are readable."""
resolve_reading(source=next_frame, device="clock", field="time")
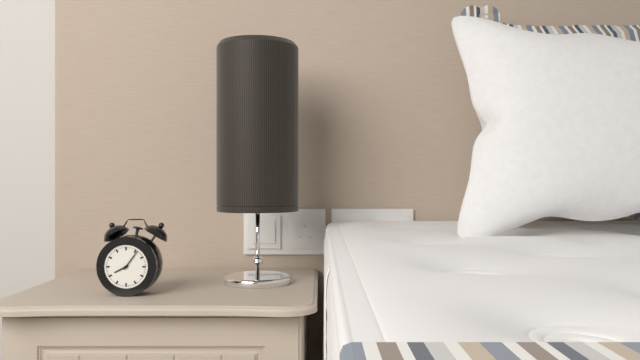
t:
**8:06**
